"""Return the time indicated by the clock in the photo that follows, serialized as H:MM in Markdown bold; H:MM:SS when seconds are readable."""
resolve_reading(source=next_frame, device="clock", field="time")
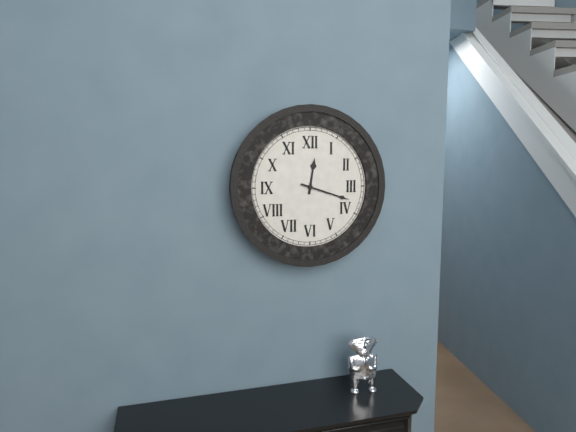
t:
**12:18**
